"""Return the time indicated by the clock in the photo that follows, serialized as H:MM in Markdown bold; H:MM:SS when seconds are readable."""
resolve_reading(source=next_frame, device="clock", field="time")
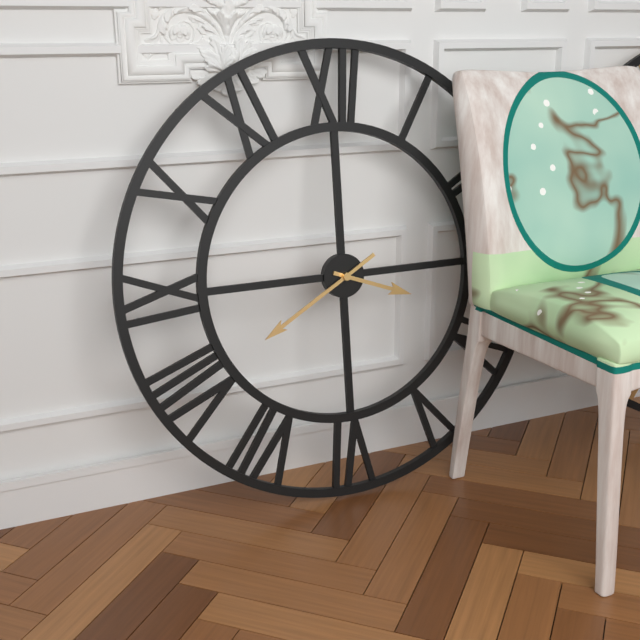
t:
**3:40**
